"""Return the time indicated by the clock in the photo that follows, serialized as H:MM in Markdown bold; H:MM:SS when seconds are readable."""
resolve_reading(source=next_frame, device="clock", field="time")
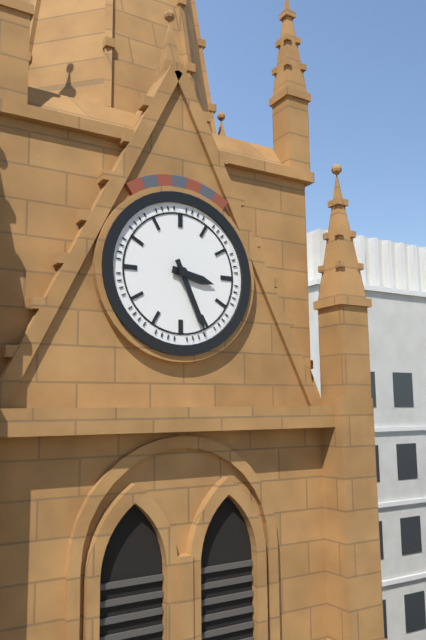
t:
**3:26**
